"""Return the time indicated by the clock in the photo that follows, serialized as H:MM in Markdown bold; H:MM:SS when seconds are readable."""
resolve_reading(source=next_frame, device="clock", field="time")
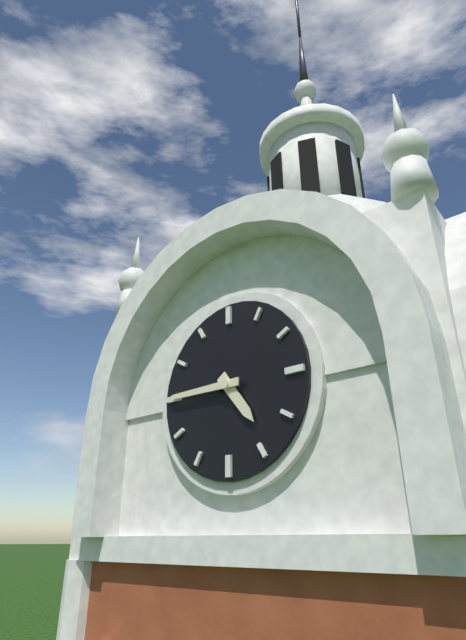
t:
**4:45**
